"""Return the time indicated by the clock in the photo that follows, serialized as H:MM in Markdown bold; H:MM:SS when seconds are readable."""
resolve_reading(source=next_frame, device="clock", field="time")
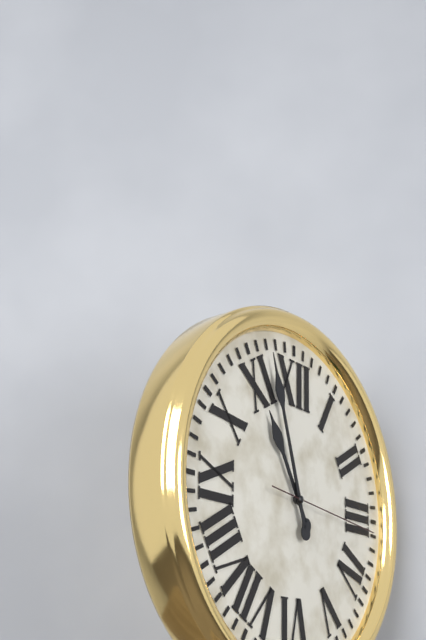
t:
**10:57:16**
